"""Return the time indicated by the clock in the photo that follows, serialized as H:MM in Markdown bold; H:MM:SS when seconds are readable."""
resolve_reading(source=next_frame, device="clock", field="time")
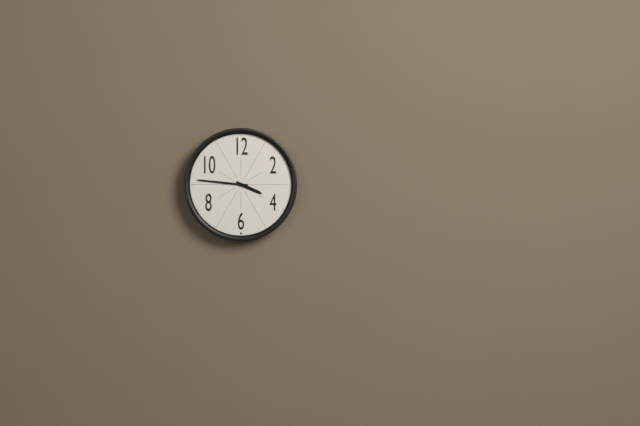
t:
**3:46**
